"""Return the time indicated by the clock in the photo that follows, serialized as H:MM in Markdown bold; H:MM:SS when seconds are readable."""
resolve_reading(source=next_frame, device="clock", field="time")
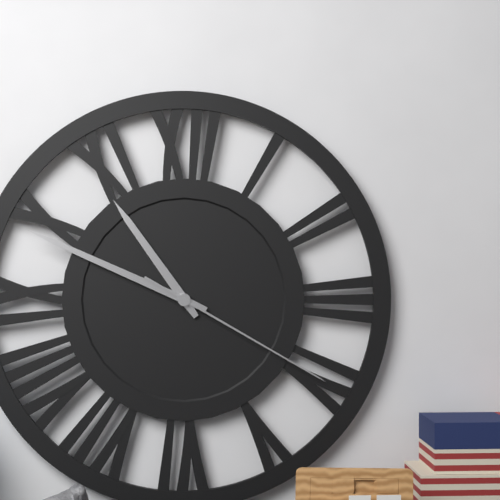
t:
**10:49:20**
